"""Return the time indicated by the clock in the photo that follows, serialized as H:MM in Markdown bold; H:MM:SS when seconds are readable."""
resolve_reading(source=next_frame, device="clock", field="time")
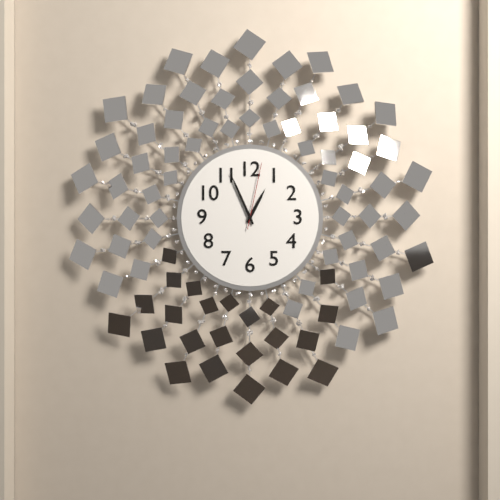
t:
**12:56:02**
